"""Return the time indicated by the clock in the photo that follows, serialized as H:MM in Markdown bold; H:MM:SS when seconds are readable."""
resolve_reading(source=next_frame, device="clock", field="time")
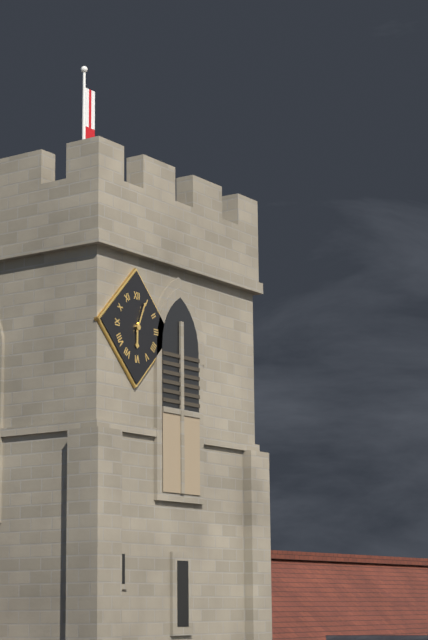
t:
**6:04**
